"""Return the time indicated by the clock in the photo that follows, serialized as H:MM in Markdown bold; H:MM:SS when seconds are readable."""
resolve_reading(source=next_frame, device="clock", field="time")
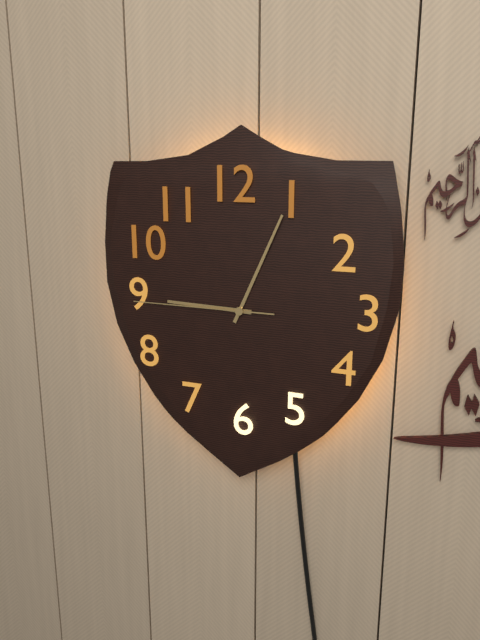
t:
**9:04:45**
